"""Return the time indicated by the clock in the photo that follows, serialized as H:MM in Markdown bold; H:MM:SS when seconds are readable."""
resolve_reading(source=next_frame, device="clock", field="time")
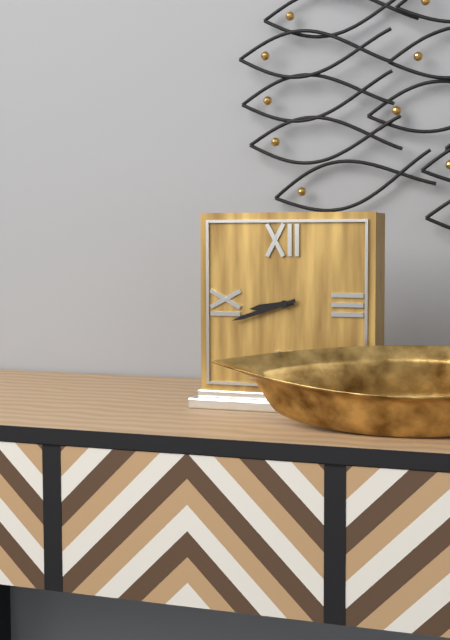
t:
**8:42**
